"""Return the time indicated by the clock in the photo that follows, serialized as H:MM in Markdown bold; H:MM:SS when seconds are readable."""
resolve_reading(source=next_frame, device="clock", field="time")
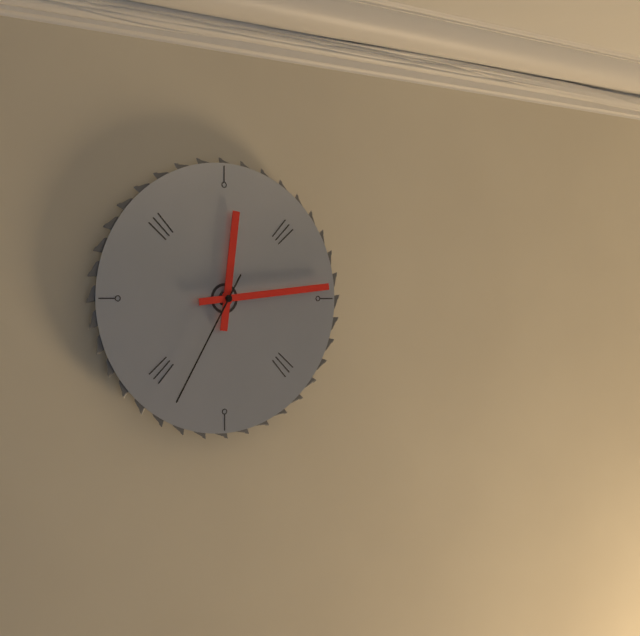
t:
**12:14:35**
